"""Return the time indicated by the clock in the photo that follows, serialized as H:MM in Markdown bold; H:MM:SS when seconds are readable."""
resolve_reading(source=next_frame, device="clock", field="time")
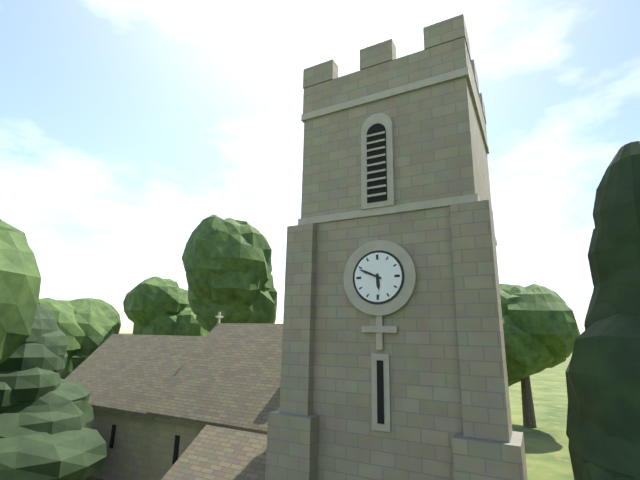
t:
**5:49**
